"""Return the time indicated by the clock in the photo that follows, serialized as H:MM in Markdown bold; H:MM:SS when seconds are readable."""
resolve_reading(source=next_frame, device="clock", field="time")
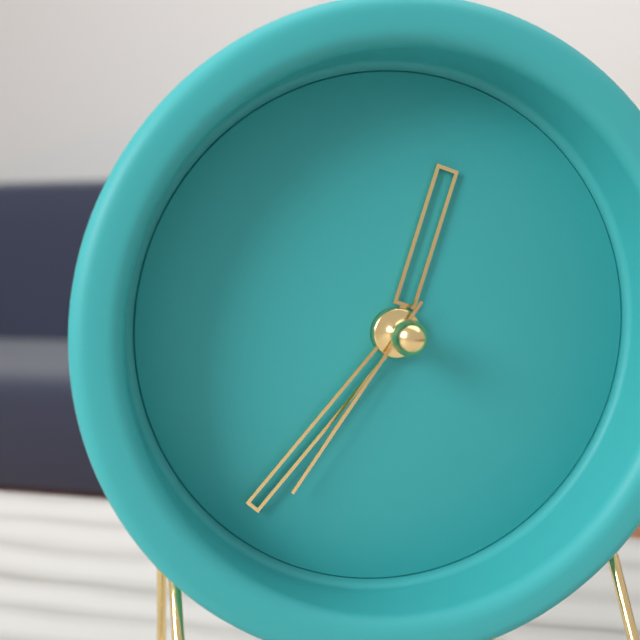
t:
**12:37:36**
